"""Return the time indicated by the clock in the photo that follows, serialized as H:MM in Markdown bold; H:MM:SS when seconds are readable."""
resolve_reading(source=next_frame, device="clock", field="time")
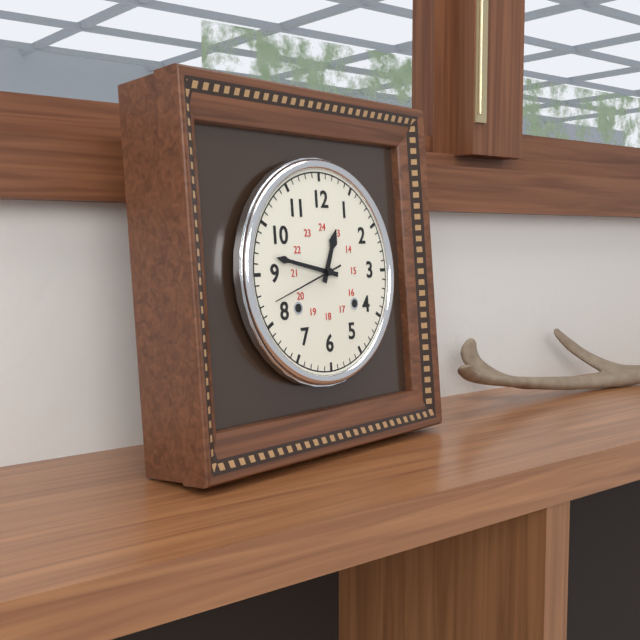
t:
**12:47:42**
